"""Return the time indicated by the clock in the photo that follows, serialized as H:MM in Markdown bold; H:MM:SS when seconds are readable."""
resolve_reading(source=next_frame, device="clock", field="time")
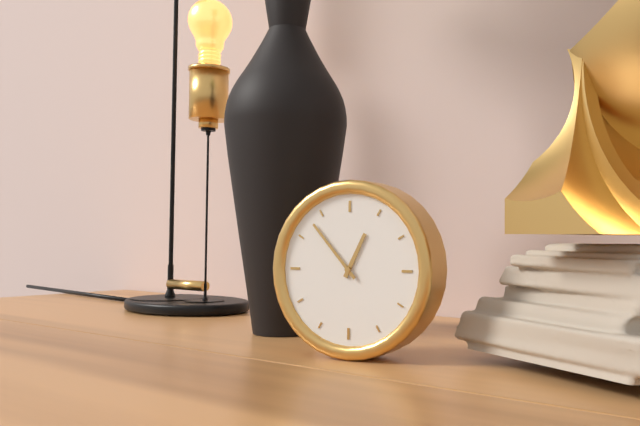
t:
**12:53**
